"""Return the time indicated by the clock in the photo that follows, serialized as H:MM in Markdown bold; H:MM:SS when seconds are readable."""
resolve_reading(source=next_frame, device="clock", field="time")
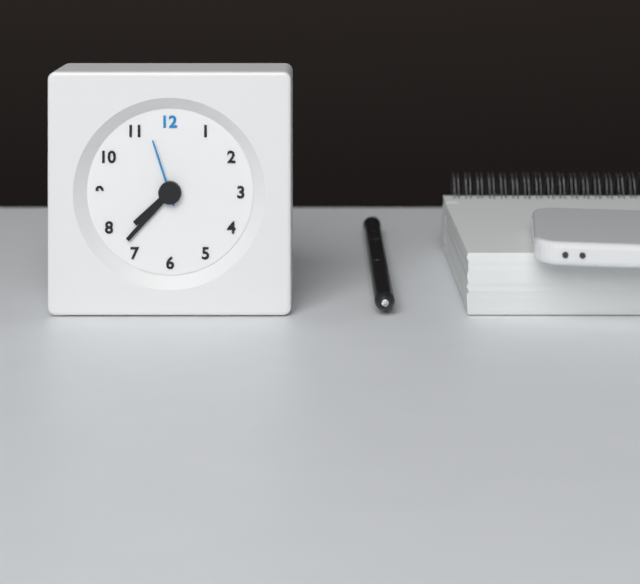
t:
**7:37:57**
